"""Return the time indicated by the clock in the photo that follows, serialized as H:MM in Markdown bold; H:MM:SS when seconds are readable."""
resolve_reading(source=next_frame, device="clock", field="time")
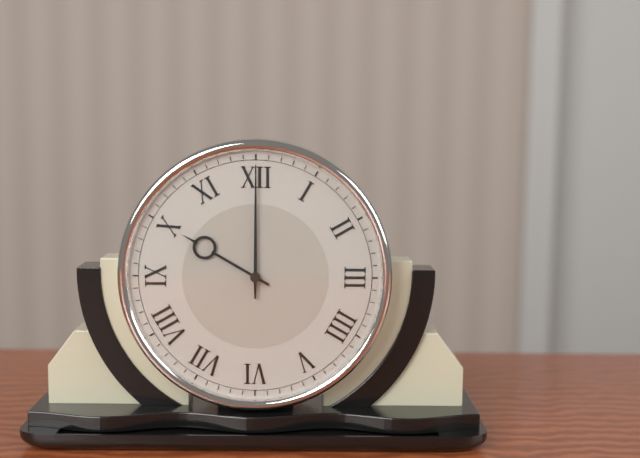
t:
**10:00**
